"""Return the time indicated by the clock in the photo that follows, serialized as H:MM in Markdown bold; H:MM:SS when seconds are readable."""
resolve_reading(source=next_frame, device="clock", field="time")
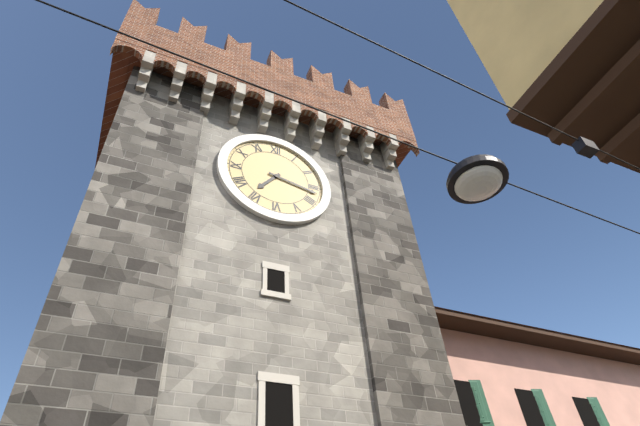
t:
**7:17**
